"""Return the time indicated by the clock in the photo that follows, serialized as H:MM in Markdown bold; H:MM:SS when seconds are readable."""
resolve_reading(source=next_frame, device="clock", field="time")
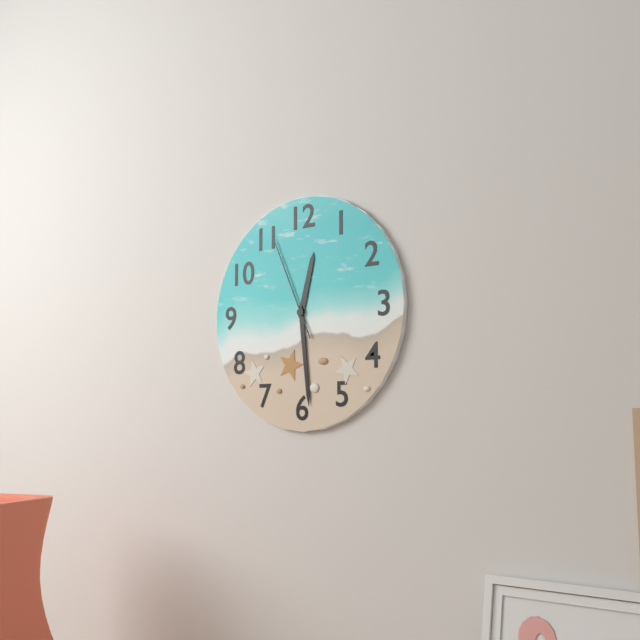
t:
**12:29:56**
